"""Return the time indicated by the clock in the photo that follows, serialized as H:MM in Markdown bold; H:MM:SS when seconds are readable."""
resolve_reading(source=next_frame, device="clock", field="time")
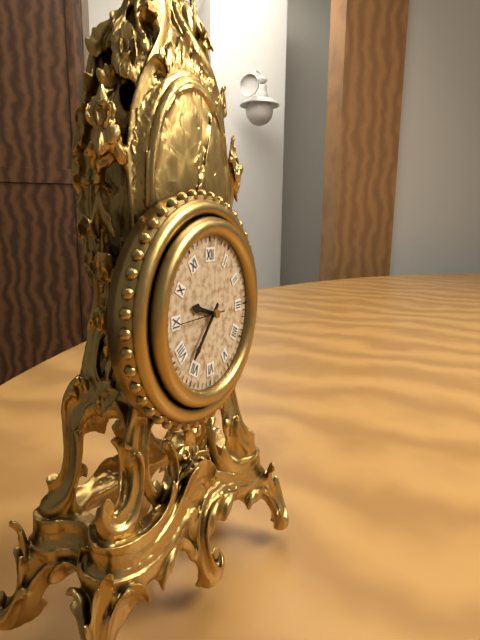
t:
**9:37**
